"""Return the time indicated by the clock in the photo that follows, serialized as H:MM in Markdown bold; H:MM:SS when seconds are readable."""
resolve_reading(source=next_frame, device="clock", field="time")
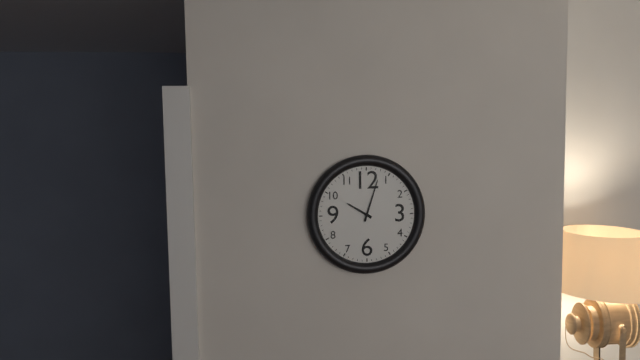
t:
**10:03**
